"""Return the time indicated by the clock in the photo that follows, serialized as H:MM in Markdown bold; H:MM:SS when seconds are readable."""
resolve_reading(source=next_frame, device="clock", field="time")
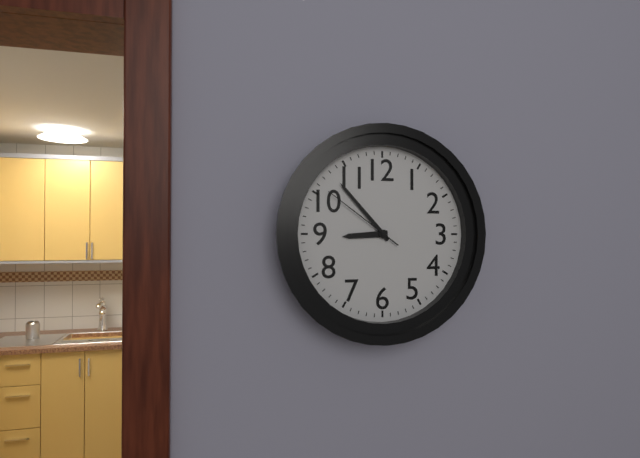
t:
**8:53:51**
